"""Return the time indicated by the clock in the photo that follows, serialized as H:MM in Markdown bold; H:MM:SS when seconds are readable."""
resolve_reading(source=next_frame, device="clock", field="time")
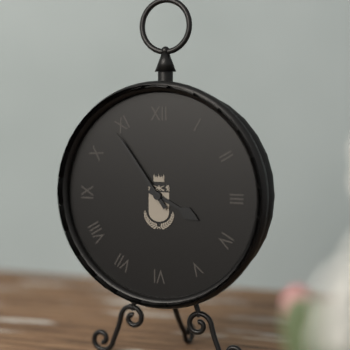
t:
**3:54**
